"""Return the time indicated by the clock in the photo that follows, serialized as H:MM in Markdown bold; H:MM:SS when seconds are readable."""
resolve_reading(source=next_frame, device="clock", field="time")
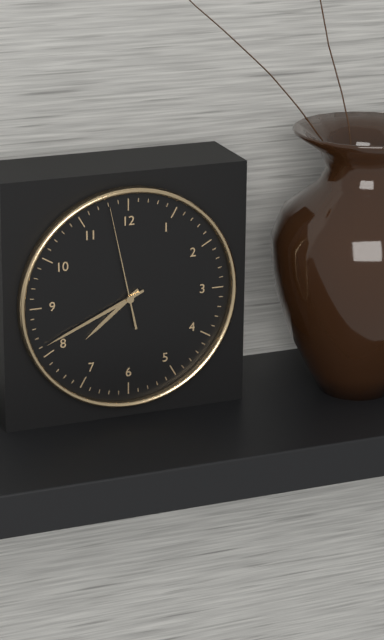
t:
**7:41:58**
